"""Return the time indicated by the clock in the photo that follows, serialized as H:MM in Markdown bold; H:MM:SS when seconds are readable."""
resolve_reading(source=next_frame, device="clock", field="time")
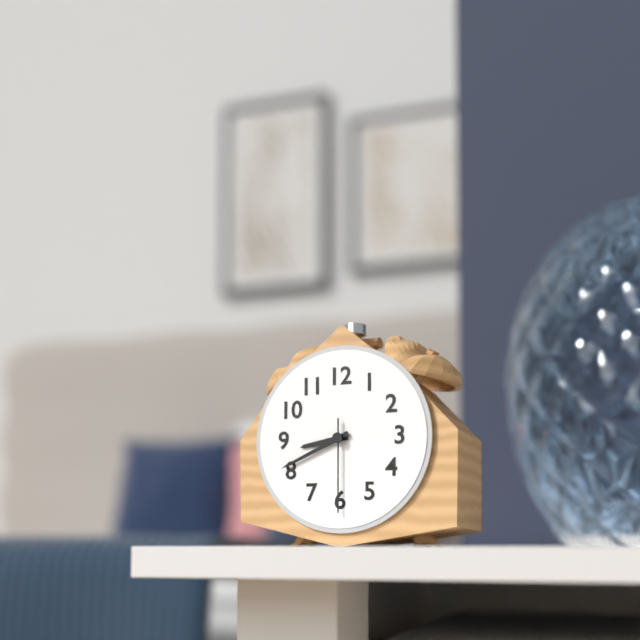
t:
**8:41:30**
